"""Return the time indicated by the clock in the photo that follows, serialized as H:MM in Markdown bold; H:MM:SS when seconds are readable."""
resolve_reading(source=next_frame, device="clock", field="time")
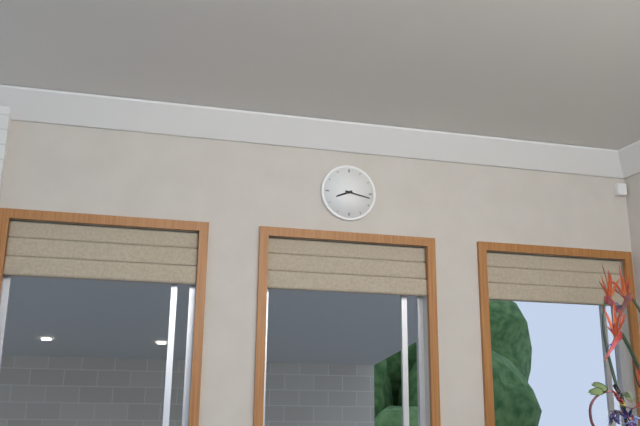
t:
**8:17**
